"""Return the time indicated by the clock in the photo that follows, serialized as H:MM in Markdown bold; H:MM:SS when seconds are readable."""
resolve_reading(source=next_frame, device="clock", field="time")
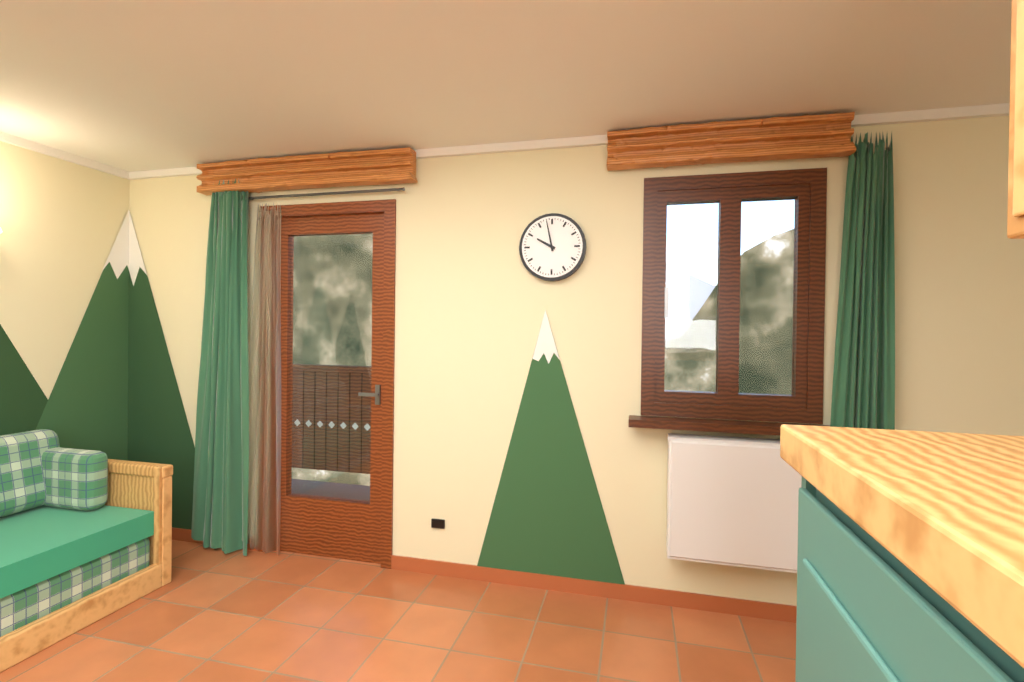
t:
**9:58**
